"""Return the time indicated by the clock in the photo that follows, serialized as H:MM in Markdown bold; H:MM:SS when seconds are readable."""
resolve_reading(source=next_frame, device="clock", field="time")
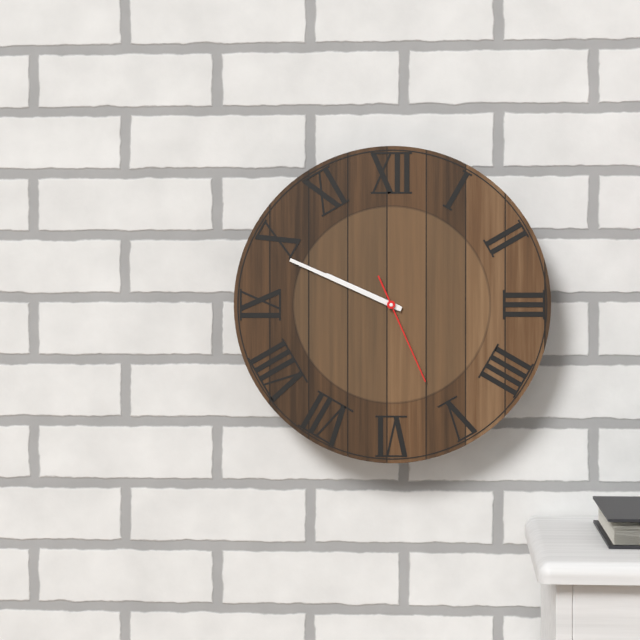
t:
**9:49:26**
